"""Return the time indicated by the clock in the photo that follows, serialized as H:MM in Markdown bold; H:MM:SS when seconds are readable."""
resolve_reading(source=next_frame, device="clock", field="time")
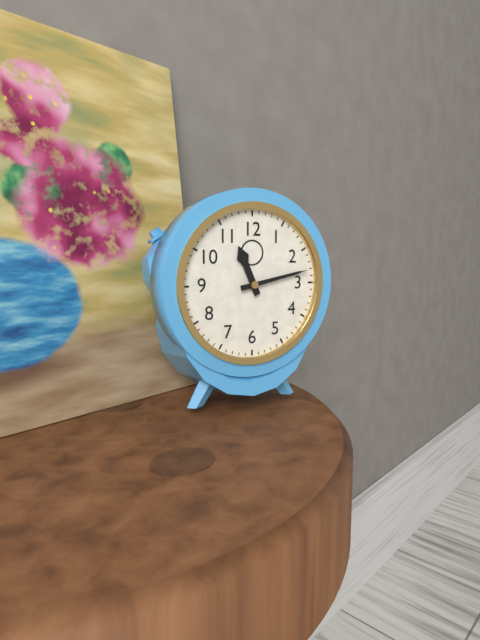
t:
**11:13**
